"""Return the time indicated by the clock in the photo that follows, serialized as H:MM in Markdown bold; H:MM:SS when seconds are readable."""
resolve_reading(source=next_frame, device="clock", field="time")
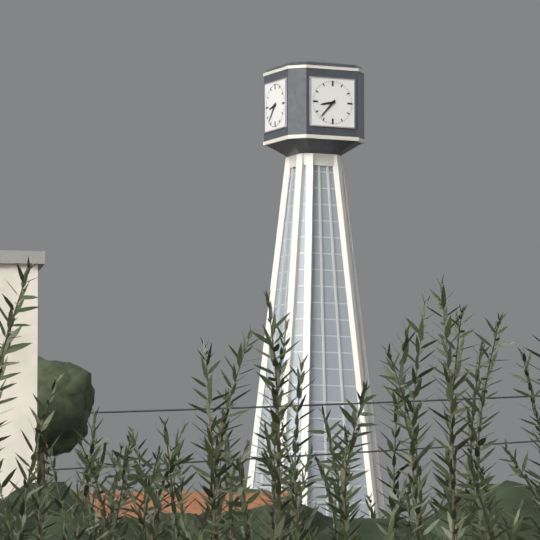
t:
**8:37**
